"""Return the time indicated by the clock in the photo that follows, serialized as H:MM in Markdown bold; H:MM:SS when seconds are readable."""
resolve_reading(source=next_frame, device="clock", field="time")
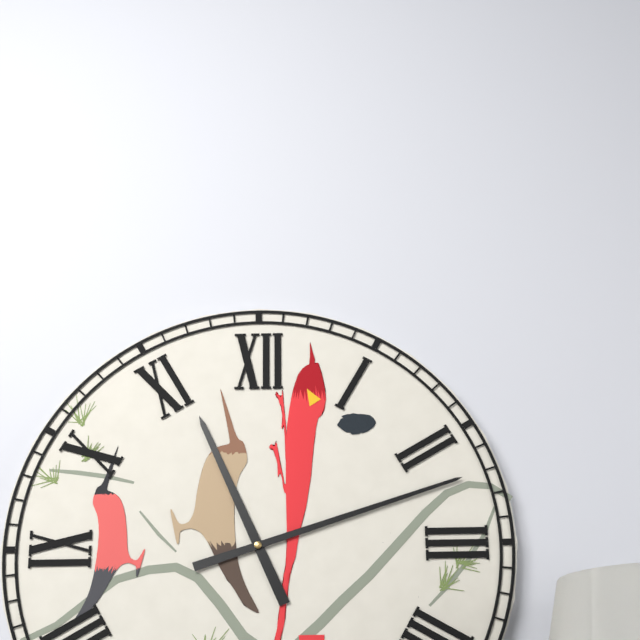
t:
**11:12**
